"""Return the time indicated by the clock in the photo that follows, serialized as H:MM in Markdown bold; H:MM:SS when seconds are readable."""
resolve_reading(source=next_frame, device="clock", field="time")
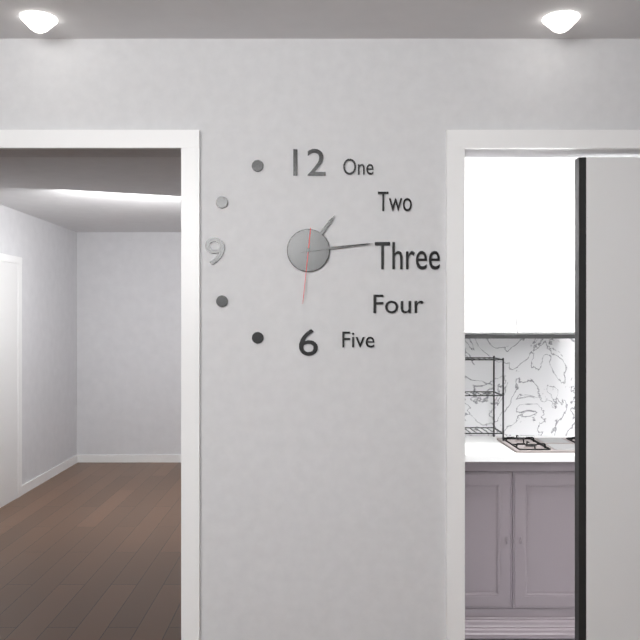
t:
**1:14:31**
